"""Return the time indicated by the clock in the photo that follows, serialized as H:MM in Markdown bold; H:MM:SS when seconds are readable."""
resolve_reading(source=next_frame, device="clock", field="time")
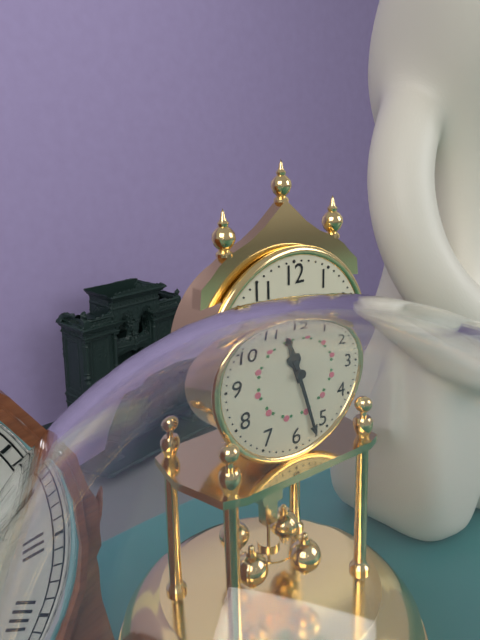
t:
**11:27**
